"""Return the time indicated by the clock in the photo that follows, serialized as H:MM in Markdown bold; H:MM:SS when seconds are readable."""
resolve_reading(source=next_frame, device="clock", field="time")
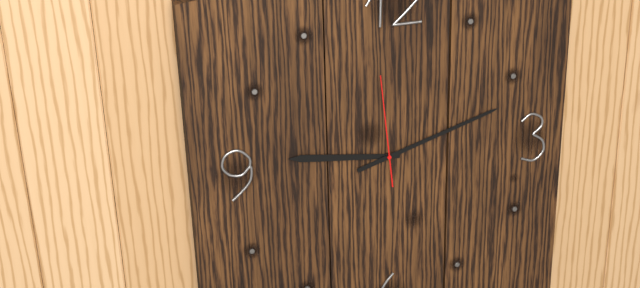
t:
**9:12:59**
